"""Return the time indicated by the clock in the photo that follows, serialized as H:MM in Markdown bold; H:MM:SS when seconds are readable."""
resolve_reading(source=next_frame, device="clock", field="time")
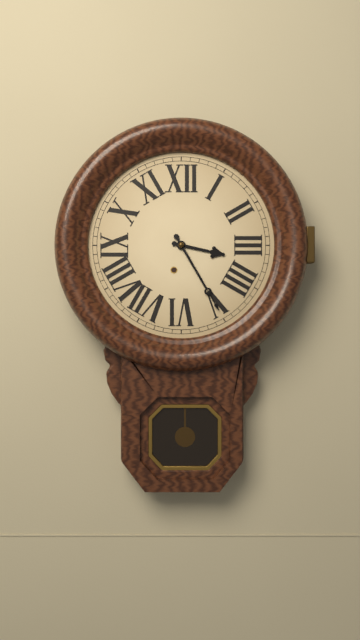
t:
**3:25**
